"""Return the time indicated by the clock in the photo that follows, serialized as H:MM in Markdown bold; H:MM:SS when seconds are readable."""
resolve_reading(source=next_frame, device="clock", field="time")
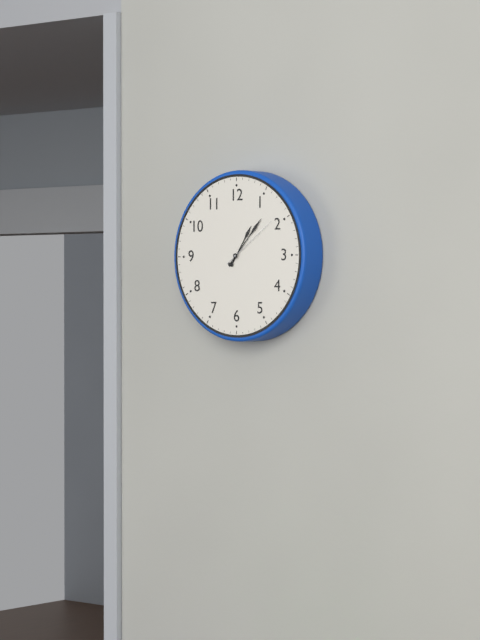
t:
**1:07:09**
